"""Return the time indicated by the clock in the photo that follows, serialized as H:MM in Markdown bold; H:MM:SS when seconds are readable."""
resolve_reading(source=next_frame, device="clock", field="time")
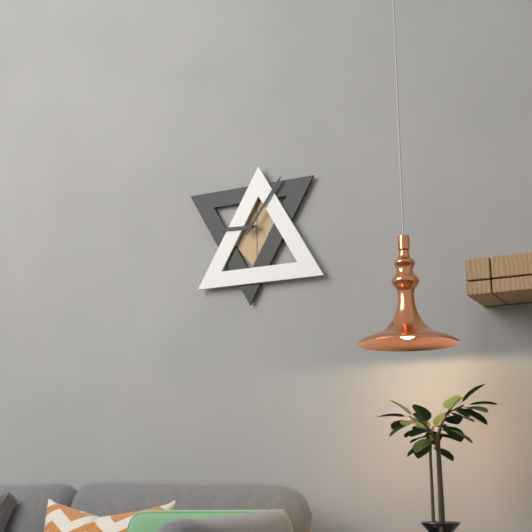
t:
**9:06**
